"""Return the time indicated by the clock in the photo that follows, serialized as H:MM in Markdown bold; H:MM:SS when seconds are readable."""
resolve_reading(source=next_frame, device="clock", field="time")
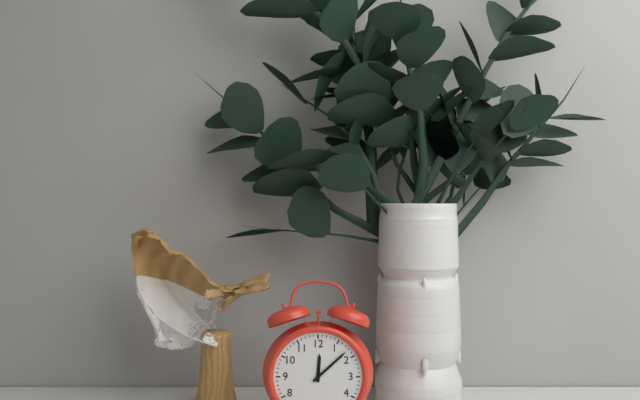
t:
**12:08**
